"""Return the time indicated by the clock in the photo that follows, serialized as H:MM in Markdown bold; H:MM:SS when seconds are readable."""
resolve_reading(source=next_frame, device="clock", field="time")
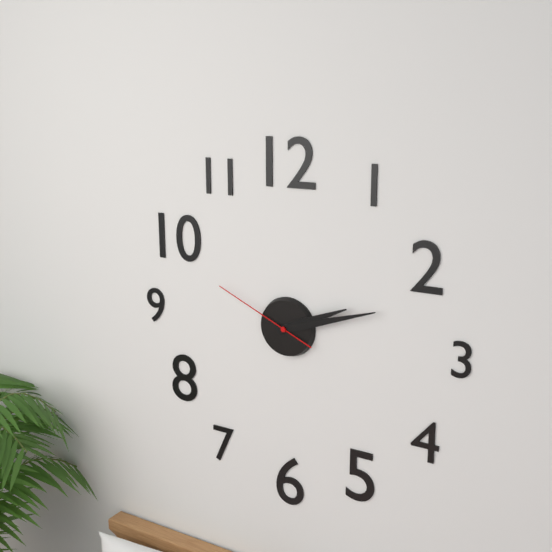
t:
**2:12:49**
